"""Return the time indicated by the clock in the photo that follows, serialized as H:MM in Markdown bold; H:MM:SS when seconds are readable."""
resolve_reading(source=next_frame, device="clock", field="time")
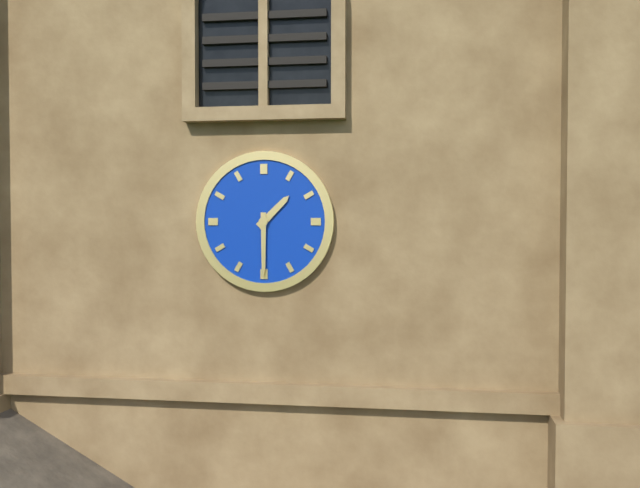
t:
**1:30**
